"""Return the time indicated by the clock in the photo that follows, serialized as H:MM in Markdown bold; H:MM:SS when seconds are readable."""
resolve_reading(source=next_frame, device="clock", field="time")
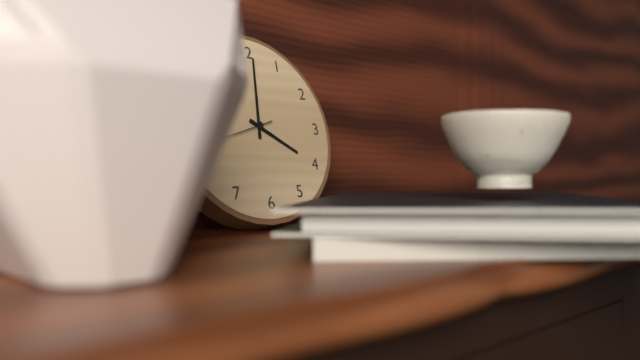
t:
**4:01**
